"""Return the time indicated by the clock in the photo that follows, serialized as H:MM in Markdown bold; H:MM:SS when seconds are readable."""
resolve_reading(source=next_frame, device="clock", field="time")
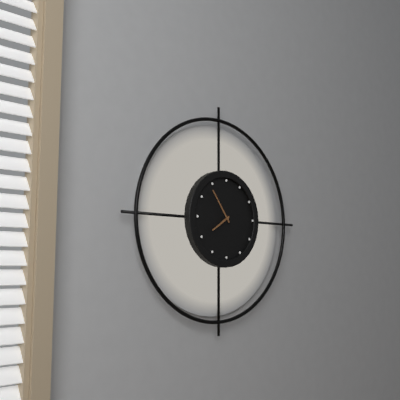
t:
**7:54**
